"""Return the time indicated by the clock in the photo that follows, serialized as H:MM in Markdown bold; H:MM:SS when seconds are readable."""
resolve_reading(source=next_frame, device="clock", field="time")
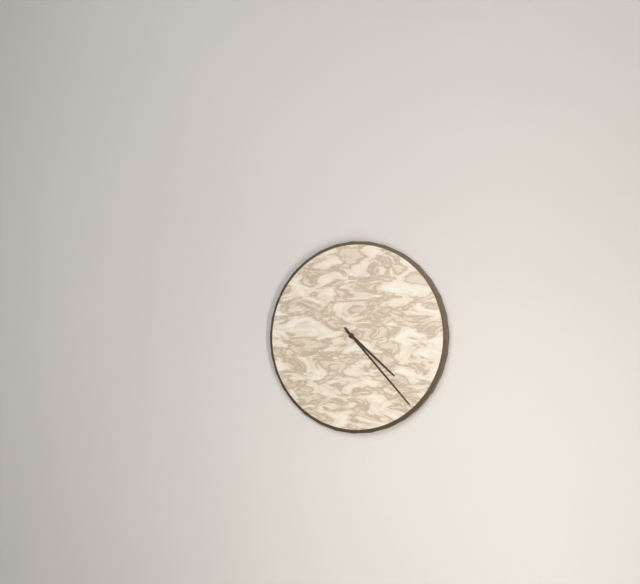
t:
**4:23**
